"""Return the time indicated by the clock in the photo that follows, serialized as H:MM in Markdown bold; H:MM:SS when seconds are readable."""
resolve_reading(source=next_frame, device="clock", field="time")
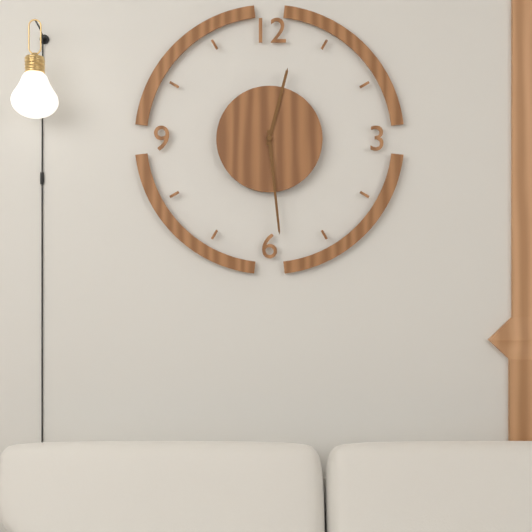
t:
**12:29**
